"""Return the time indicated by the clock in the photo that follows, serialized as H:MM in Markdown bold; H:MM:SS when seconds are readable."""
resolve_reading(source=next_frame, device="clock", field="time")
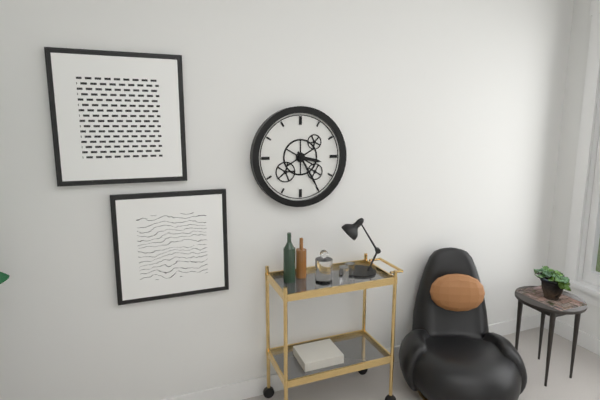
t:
**3:25**
